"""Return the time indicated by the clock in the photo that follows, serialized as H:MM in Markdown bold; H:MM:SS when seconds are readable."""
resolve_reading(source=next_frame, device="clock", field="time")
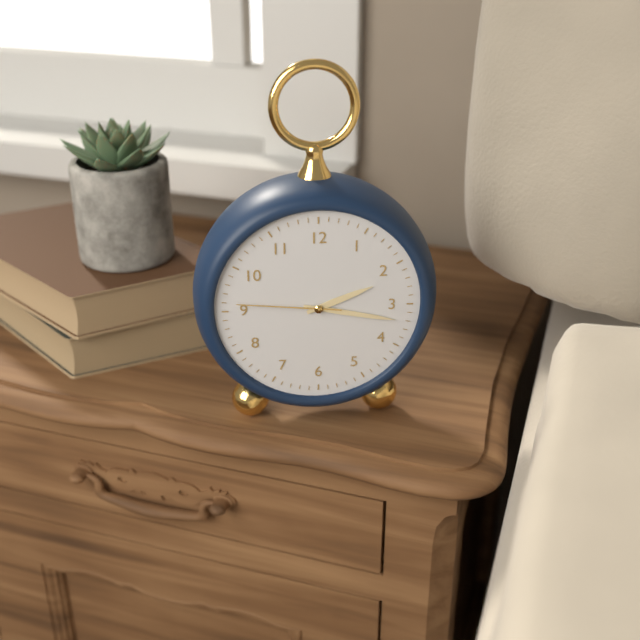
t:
**2:17:46**
